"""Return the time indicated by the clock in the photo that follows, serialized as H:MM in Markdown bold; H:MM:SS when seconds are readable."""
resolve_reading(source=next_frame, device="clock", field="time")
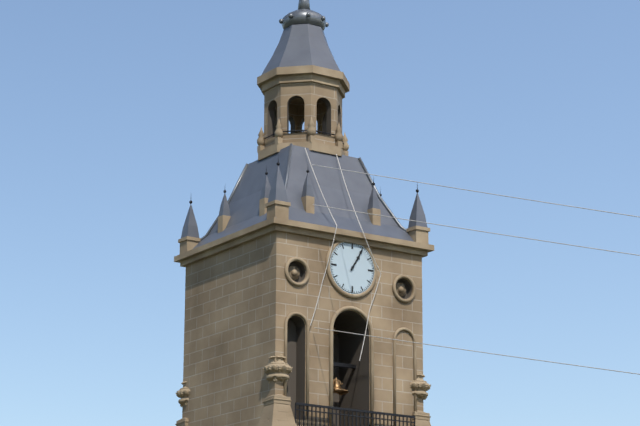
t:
**1:05**
